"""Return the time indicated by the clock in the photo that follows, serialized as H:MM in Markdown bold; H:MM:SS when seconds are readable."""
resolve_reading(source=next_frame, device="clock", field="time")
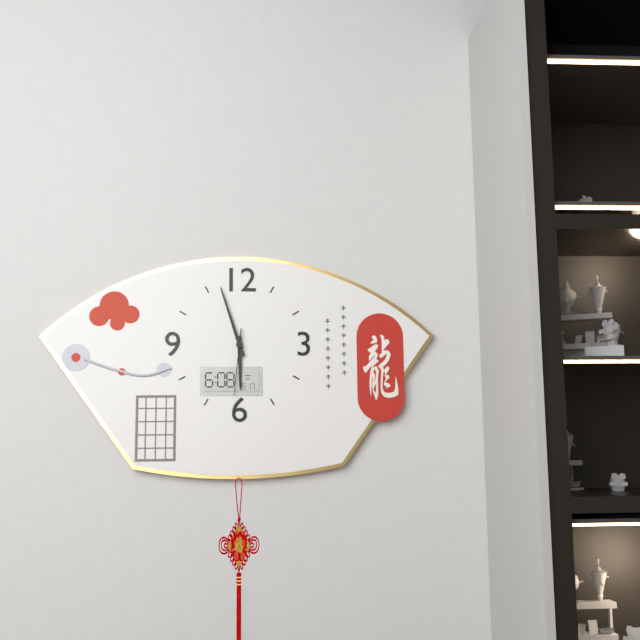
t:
**5:57:31**
